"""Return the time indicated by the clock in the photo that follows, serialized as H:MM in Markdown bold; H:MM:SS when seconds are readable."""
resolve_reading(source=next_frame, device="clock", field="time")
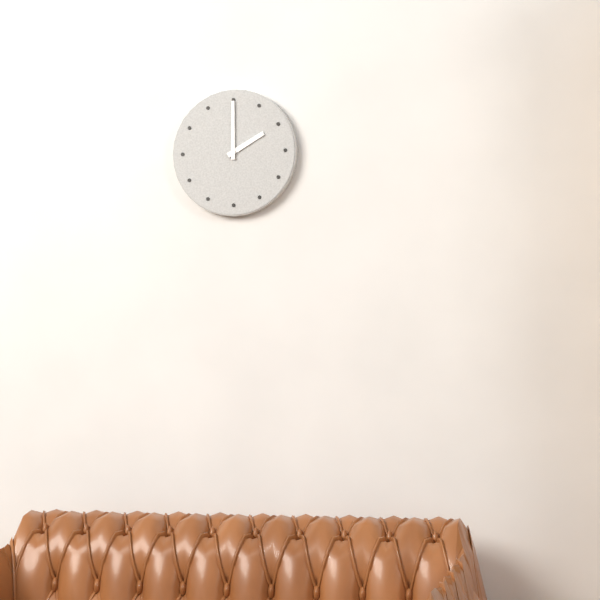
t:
**2:00**
